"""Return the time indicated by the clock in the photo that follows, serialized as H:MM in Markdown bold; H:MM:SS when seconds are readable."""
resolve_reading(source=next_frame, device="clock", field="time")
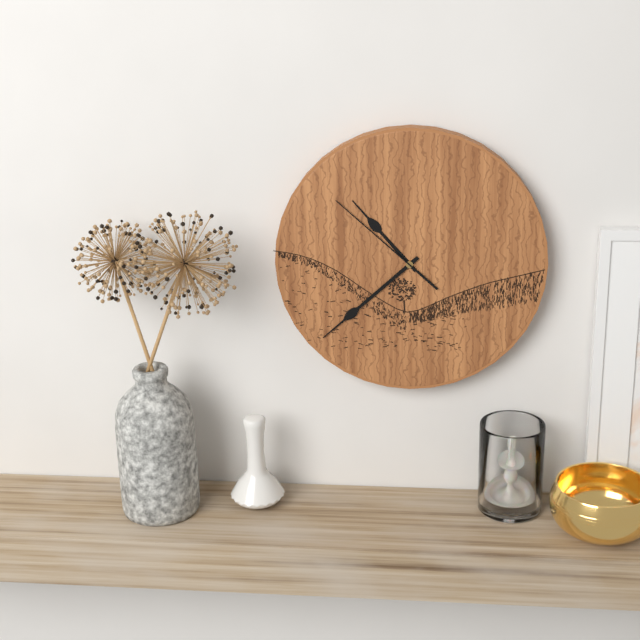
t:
**10:38:52**
